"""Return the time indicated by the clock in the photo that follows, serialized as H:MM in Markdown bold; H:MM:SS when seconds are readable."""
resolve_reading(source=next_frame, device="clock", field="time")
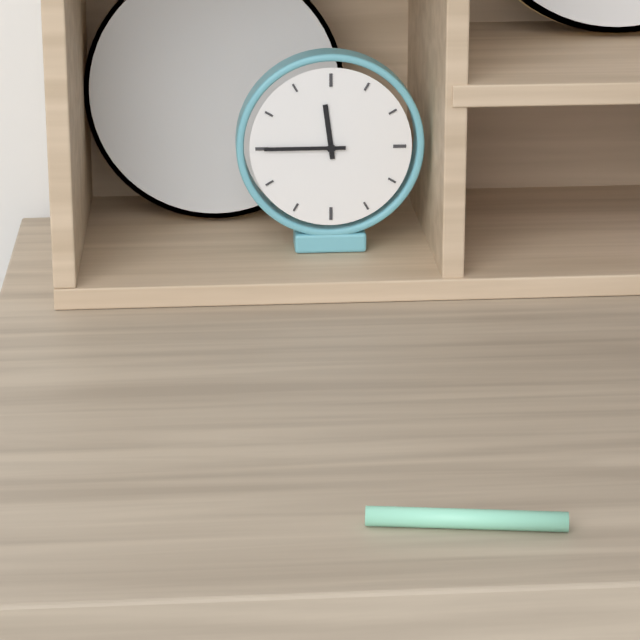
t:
**11:45**
